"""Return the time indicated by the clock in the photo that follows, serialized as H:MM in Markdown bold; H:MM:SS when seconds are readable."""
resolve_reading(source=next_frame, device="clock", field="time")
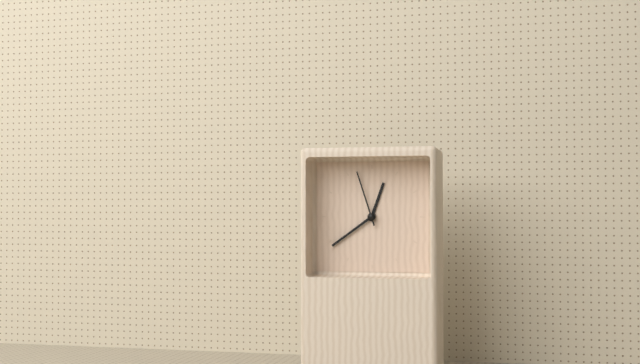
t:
**12:39:57**
